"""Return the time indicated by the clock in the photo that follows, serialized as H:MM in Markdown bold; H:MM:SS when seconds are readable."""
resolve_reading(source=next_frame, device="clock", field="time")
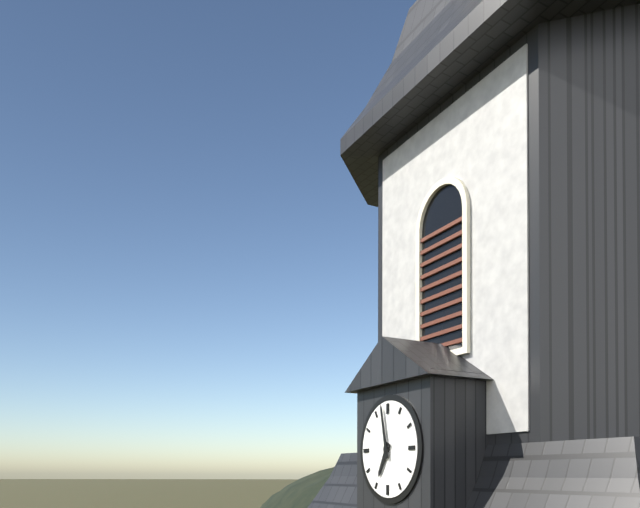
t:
**6:58**
